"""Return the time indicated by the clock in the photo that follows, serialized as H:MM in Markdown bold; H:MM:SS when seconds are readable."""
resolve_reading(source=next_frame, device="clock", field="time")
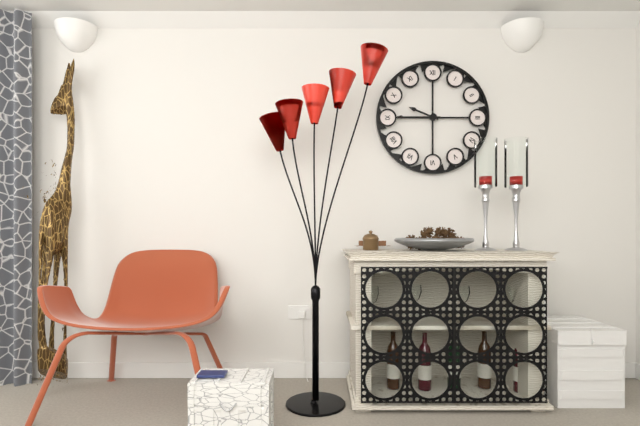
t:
**9:45**
